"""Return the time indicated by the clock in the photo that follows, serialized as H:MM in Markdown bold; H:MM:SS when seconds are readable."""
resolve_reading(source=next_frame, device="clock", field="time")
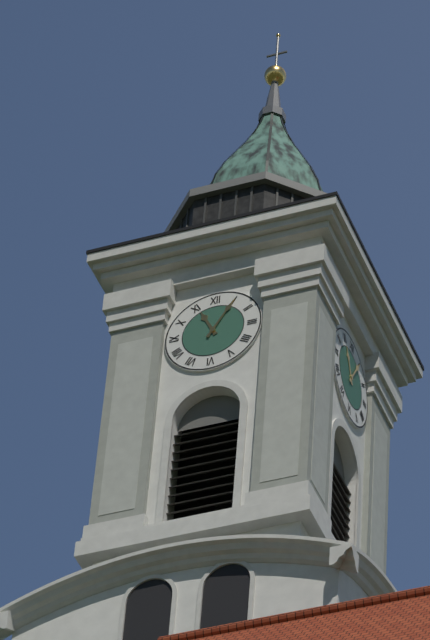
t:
**11:05**
